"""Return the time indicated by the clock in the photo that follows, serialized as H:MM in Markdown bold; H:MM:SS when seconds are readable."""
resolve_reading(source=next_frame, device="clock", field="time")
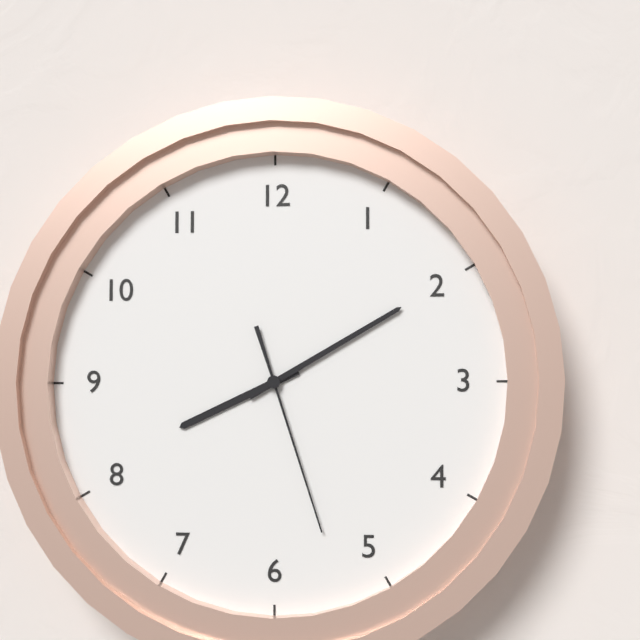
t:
**8:10:27**
